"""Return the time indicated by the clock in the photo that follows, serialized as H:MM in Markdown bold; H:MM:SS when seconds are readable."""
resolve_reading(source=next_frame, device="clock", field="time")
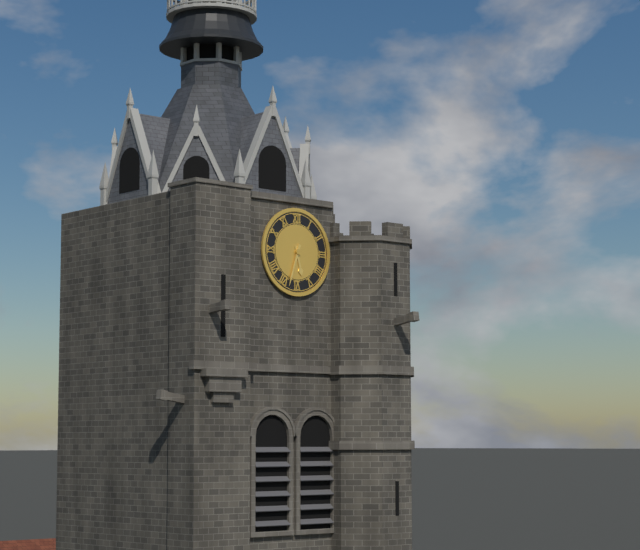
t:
**5:33**
